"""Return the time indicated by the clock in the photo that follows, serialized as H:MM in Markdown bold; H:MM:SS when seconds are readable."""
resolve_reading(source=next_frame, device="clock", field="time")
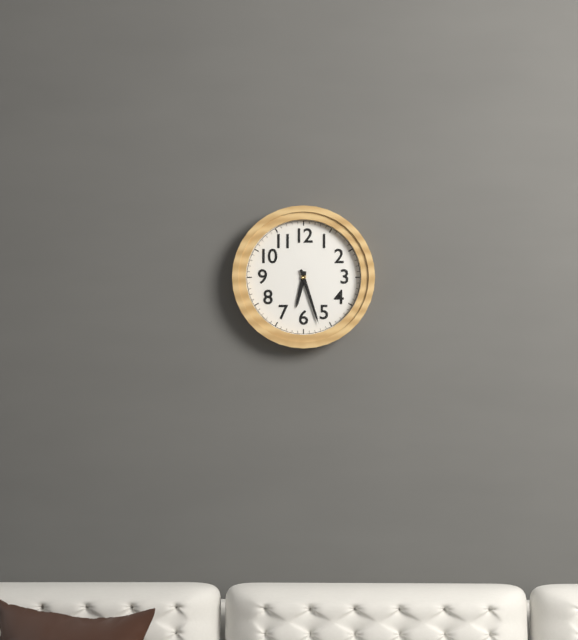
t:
**6:27**
